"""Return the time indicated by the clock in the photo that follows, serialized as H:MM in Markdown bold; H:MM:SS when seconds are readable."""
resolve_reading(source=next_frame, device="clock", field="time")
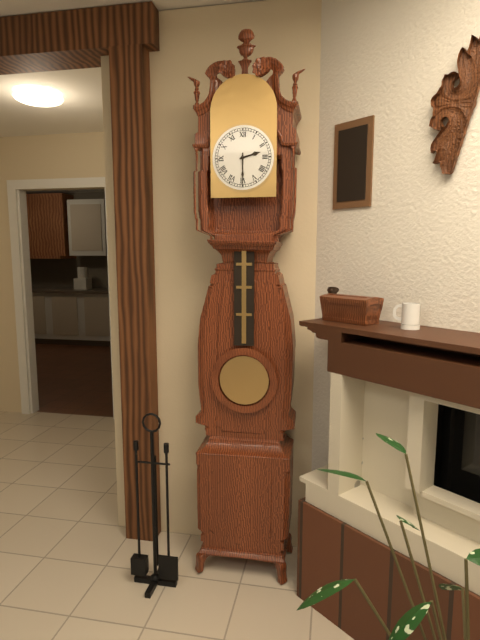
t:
**2:30**
